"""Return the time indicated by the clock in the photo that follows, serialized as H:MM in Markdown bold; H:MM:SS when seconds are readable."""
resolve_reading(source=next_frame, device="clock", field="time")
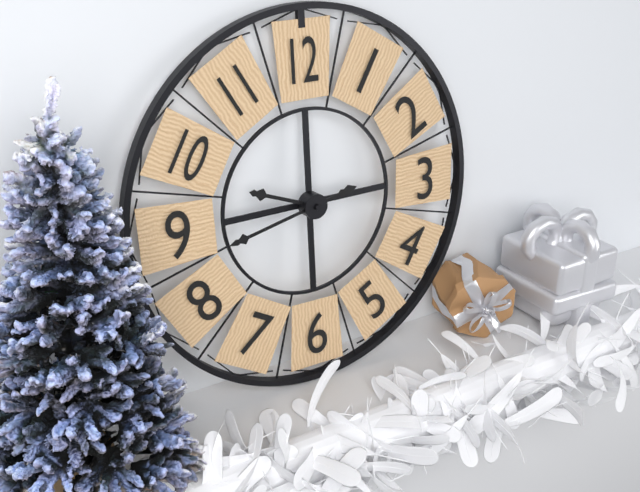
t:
**9:43**
